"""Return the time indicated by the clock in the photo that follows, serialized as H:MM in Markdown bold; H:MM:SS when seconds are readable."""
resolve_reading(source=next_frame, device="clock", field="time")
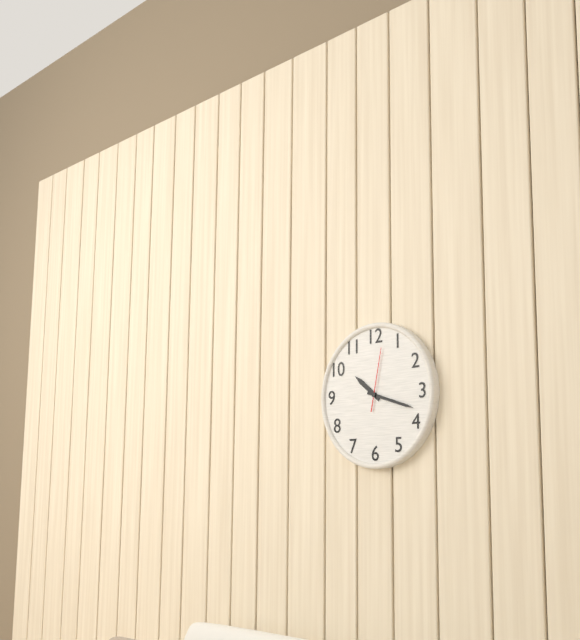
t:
**10:18:02**
